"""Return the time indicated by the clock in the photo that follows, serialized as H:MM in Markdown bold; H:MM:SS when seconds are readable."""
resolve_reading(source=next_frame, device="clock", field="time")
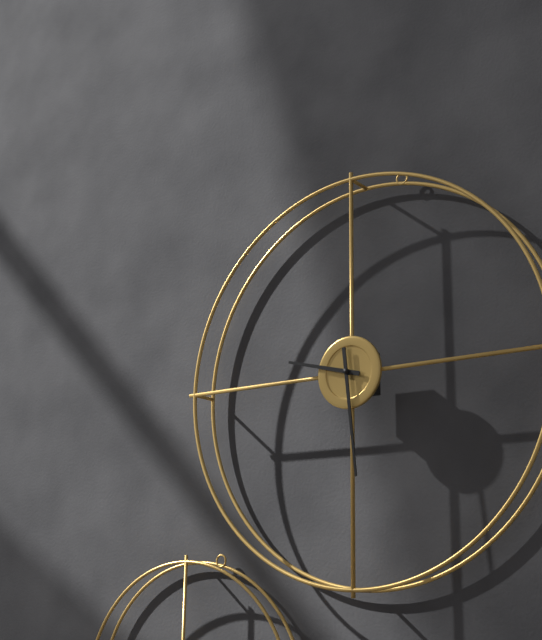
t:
**9:29**
